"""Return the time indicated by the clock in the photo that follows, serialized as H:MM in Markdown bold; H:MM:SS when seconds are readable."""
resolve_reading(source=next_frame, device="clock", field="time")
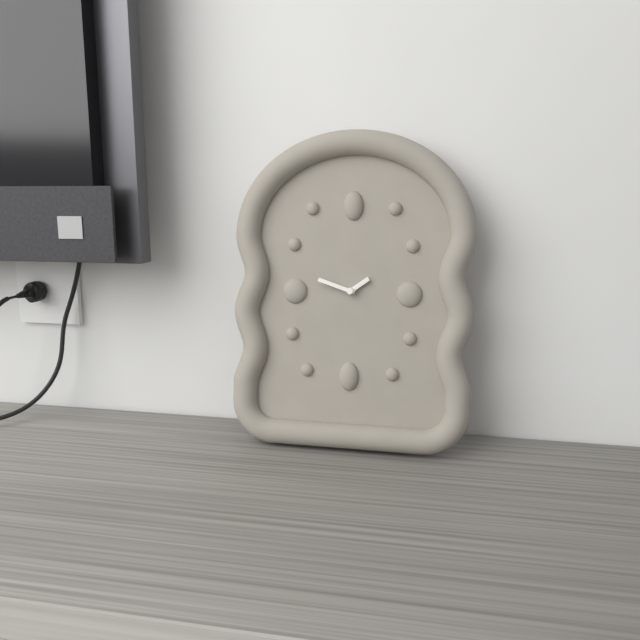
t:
**1:48**
